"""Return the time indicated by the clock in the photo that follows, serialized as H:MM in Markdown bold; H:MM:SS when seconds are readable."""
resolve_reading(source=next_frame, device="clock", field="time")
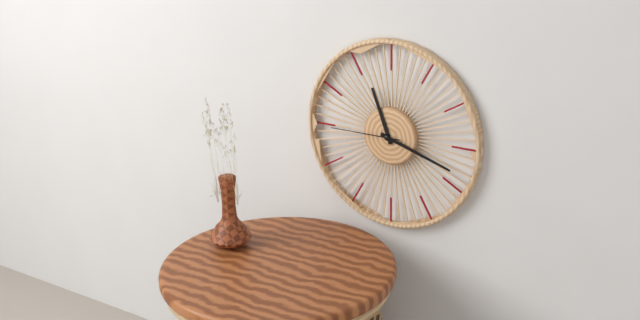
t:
**11:18:45**
